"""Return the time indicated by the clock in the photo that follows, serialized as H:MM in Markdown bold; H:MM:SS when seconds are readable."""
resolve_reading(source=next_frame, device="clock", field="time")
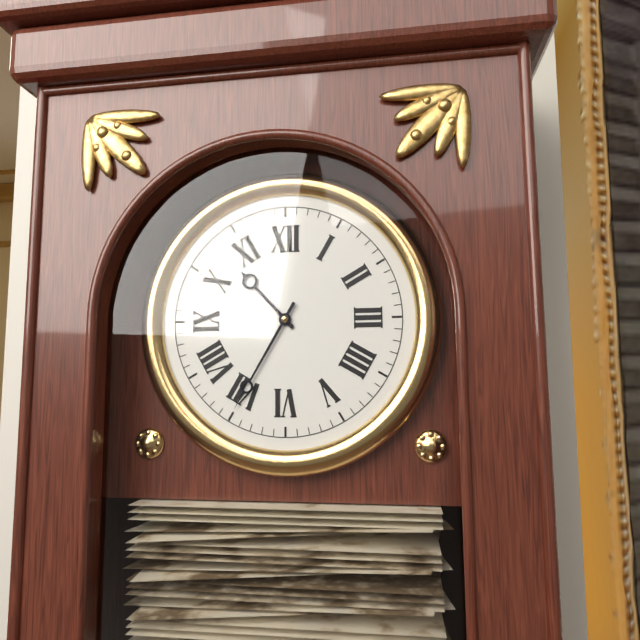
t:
**10:35**
